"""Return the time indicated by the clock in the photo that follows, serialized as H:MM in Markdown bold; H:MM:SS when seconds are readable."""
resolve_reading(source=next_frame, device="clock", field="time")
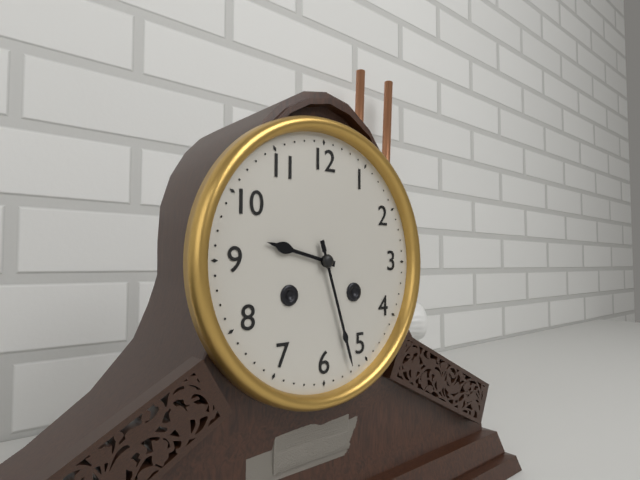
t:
**9:27**
